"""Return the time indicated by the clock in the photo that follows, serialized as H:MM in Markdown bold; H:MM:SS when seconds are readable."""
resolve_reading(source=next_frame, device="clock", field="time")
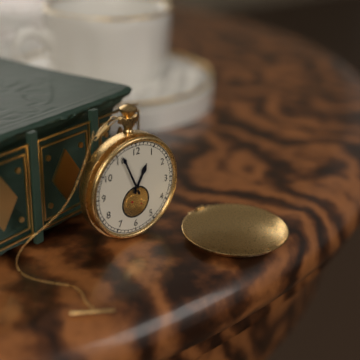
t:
**12:56**
